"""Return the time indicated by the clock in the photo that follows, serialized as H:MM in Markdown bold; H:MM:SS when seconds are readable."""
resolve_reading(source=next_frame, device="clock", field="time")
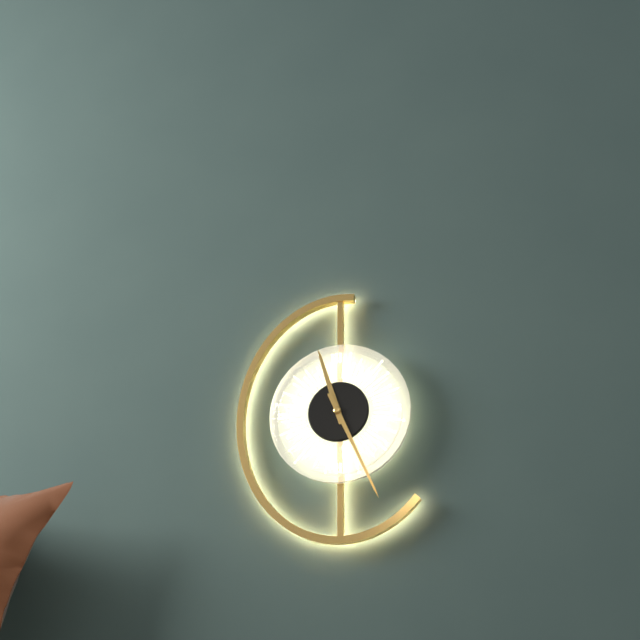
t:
**11:26**
